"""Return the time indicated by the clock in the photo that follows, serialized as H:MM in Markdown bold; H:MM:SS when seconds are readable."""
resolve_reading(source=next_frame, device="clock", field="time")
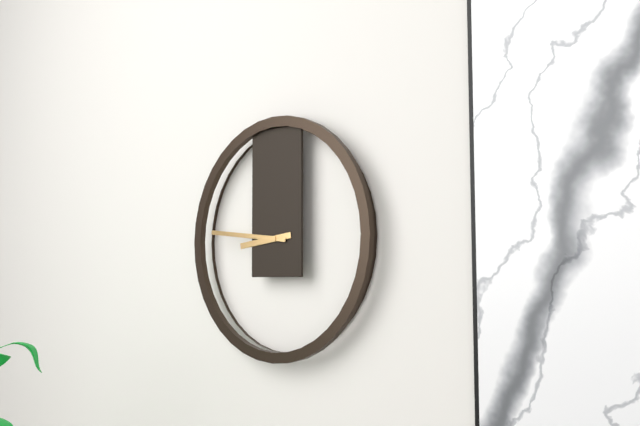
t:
**8:46**
